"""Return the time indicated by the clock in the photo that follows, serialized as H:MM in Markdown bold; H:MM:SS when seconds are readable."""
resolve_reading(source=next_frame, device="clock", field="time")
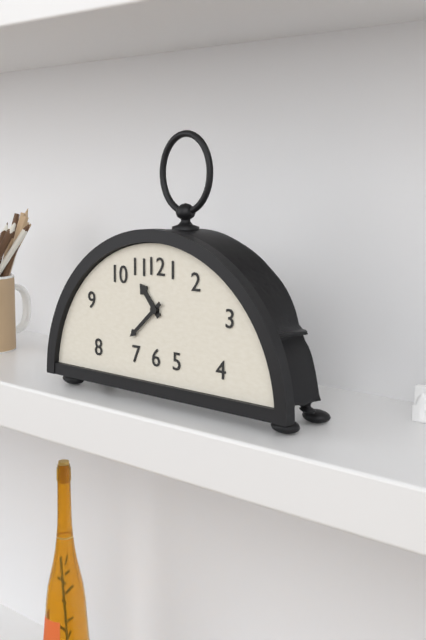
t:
**10:38**
